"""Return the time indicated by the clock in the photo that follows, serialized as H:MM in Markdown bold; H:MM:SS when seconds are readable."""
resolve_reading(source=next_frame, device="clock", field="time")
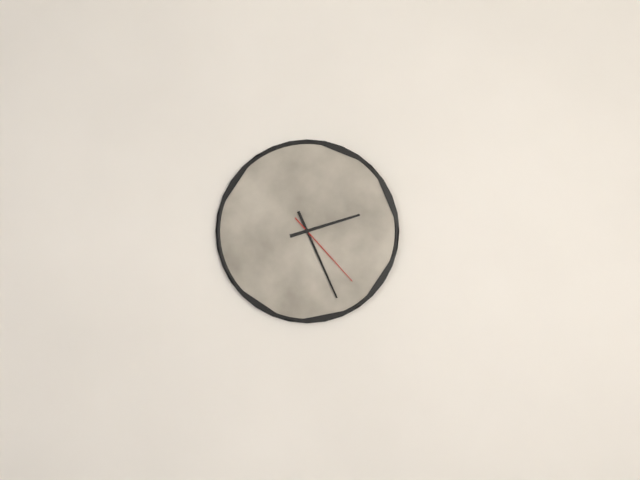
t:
**2:26:23**
